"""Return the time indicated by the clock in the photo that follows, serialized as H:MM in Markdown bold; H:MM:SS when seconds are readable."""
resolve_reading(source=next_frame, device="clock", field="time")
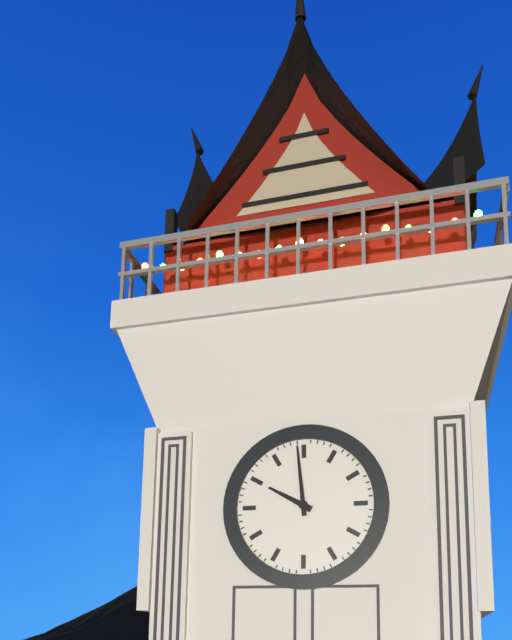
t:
**9:59**
